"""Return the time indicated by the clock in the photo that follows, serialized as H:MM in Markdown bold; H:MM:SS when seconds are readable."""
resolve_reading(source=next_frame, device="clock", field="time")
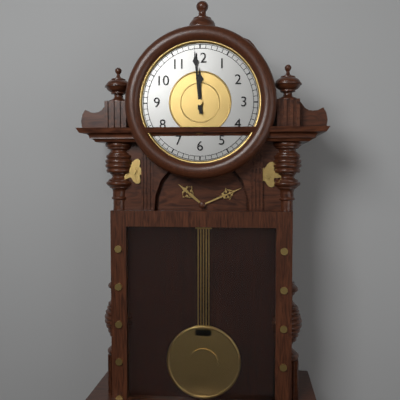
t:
**11:59**
